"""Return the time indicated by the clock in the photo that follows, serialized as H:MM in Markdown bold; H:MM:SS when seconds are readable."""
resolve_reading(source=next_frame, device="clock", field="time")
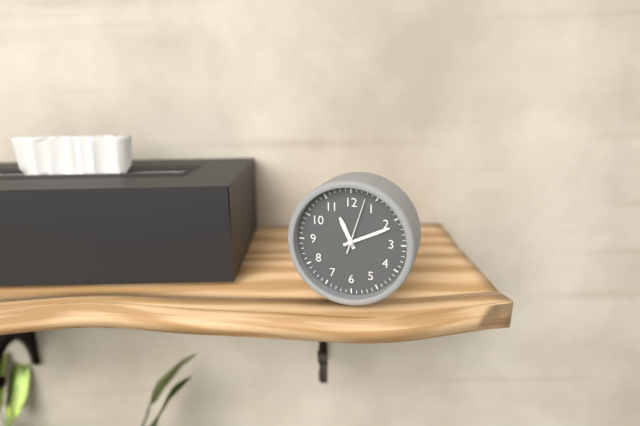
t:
**11:11:03**
